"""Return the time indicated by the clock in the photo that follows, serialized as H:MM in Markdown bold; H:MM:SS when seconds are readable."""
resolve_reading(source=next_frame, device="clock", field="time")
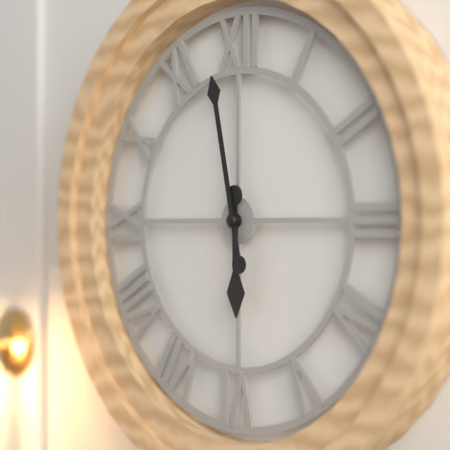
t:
**5:58**
